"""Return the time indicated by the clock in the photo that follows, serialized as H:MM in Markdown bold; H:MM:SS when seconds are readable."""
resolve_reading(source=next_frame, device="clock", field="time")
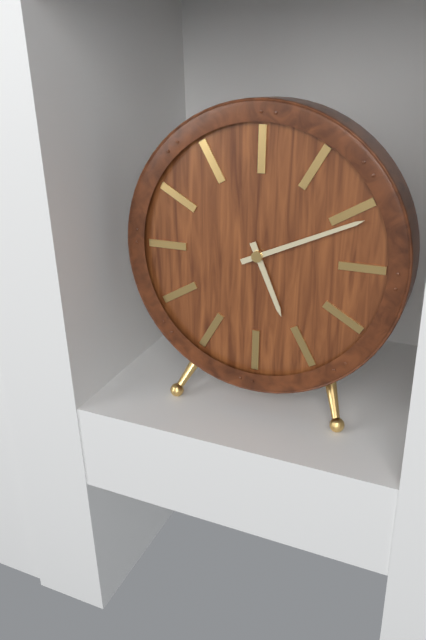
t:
**5:11**
